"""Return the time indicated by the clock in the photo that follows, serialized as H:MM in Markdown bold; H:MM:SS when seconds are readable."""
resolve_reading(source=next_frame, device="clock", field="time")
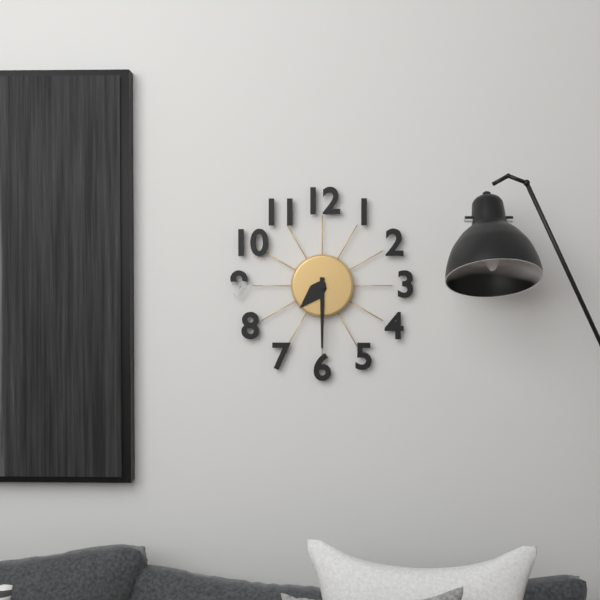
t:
**7:30**
